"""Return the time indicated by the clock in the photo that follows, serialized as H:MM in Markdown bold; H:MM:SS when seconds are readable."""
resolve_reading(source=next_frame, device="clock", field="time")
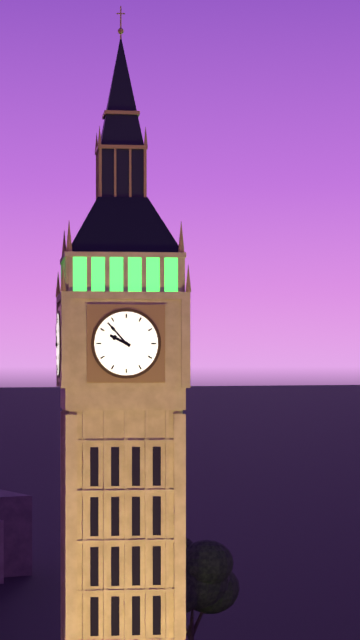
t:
**9:53**
